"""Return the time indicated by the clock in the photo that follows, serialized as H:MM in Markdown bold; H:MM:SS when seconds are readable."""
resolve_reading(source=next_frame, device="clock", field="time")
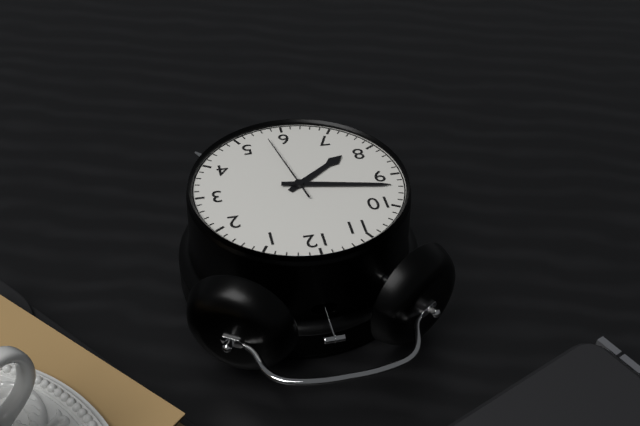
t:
**7:47:28**
